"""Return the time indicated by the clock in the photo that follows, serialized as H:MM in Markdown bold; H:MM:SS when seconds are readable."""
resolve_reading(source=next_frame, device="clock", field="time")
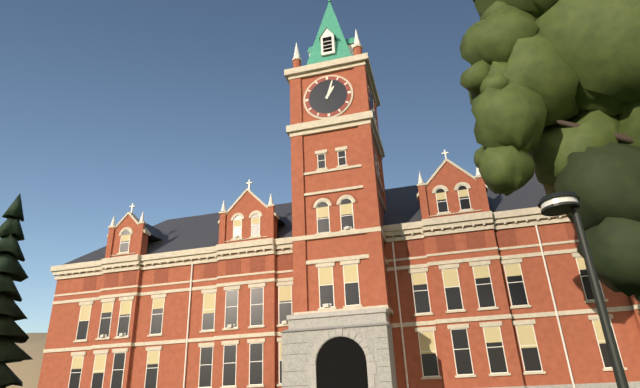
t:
**1:03**
